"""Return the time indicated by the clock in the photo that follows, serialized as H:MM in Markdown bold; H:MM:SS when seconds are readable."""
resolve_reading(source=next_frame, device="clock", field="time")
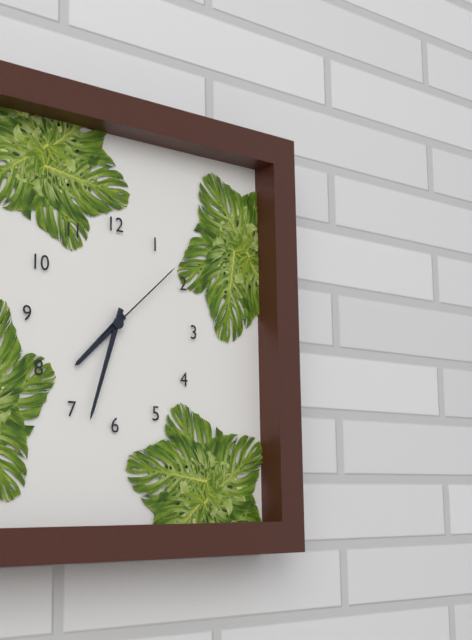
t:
**7:33:08**
